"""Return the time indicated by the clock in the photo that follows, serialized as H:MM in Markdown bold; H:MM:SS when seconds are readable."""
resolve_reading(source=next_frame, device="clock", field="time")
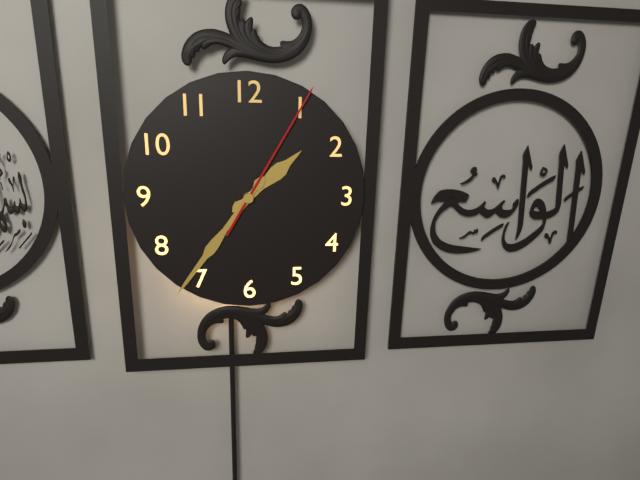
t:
**1:36:05**
